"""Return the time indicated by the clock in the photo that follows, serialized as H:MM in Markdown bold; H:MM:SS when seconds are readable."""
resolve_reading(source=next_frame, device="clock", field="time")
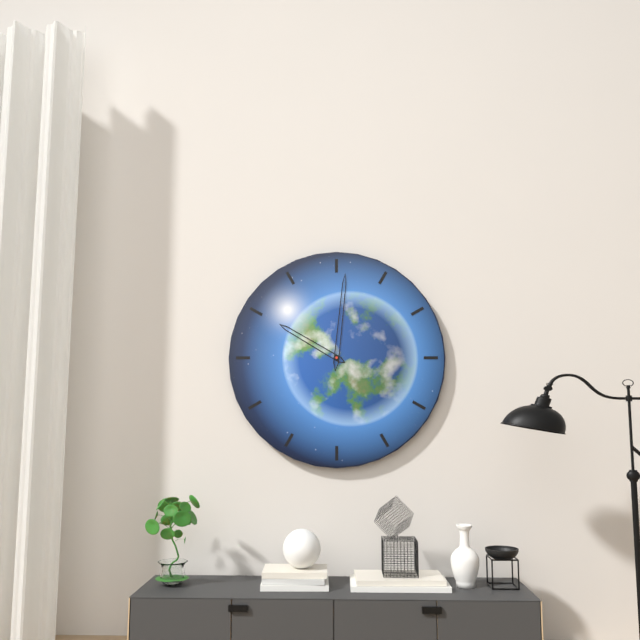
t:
**10:01**
